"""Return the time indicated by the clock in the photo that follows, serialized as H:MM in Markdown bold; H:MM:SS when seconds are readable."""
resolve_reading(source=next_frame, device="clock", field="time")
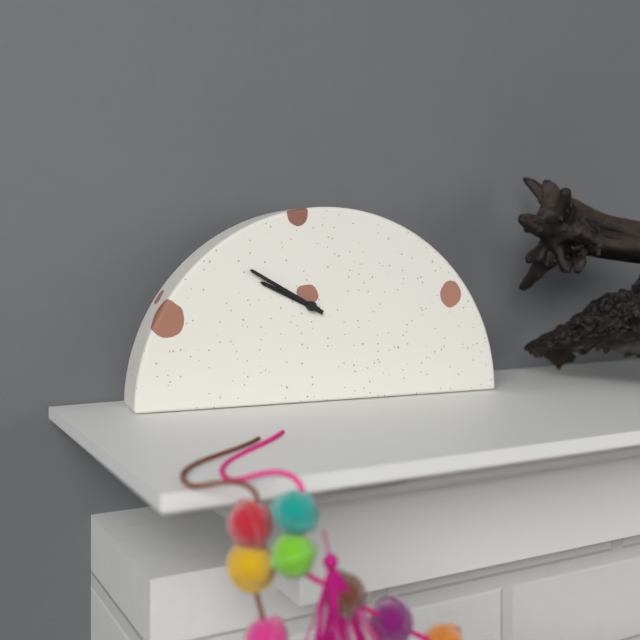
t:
**9:50**
